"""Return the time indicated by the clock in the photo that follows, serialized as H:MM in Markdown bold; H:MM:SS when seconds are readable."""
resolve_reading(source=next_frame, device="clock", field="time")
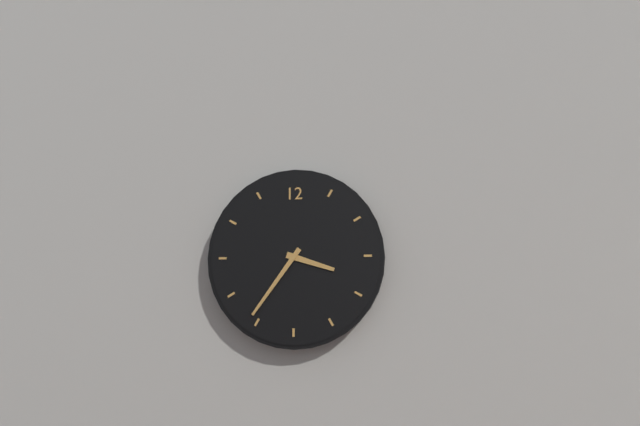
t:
**3:36**
